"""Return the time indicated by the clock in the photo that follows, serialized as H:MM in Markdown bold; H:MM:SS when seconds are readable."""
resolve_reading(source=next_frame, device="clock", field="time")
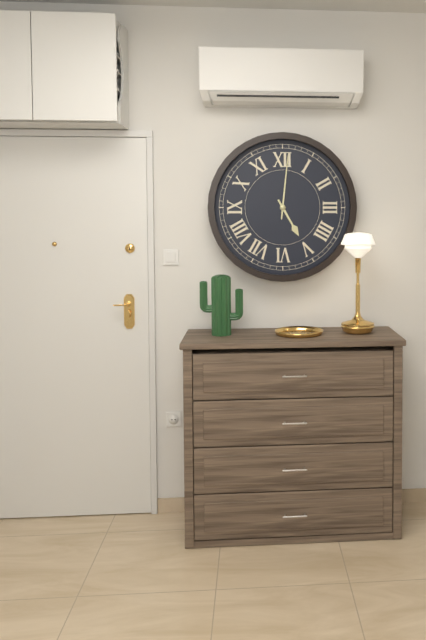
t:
**5:01**
